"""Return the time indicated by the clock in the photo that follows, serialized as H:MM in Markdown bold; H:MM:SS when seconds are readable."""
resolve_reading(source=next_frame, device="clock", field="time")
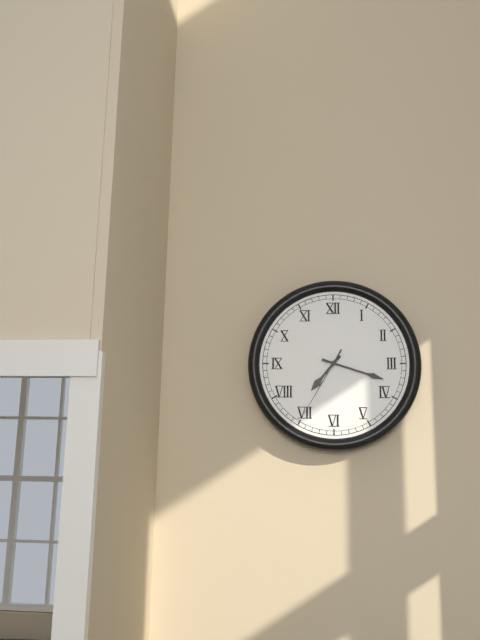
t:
**7:18:35**
